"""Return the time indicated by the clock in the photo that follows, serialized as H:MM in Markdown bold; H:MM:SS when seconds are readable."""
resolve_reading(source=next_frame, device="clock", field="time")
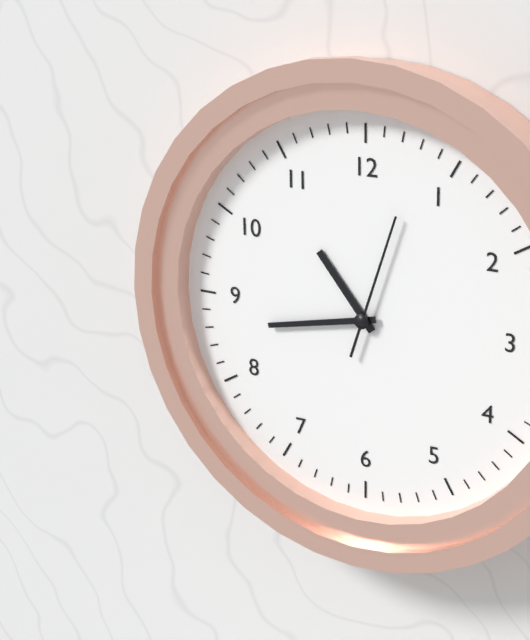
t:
**10:43:03**
